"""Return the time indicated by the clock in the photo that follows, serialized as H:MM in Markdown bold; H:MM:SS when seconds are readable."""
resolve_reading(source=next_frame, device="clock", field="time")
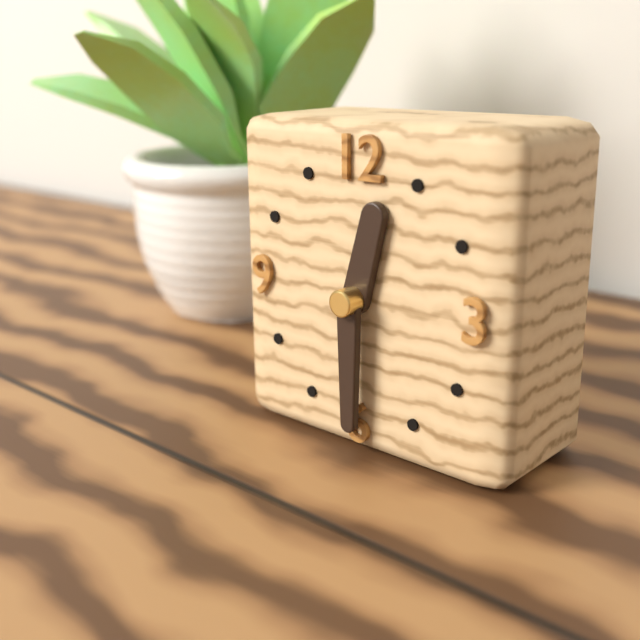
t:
**12:30**
